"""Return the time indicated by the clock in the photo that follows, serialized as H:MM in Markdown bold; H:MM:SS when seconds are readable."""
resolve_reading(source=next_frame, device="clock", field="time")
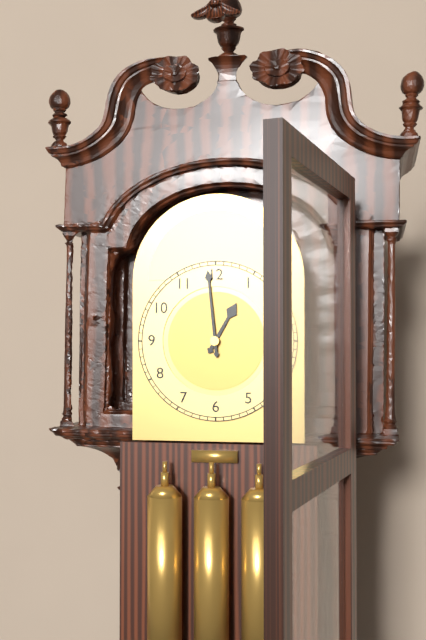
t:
**12:59**
